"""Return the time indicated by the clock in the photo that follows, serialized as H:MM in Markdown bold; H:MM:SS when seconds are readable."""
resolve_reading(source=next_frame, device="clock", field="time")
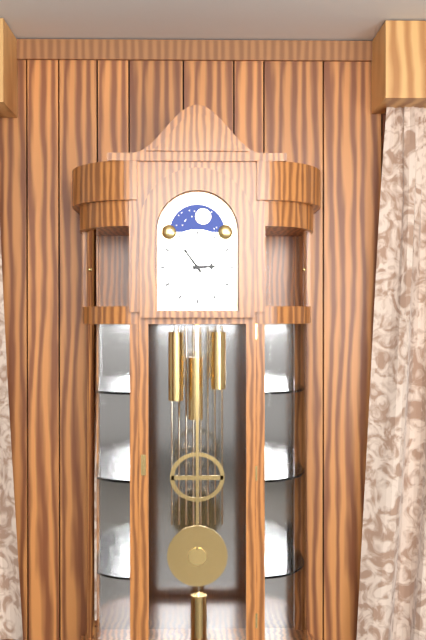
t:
**2:54**
